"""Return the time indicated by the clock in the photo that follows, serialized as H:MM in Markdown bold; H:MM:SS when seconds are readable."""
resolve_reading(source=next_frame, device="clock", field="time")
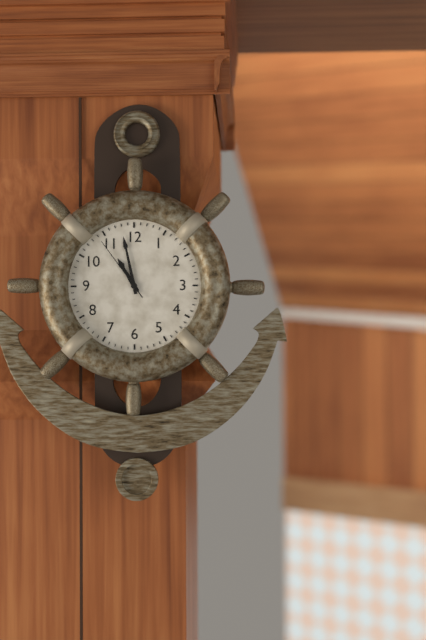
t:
**10:58:54**
